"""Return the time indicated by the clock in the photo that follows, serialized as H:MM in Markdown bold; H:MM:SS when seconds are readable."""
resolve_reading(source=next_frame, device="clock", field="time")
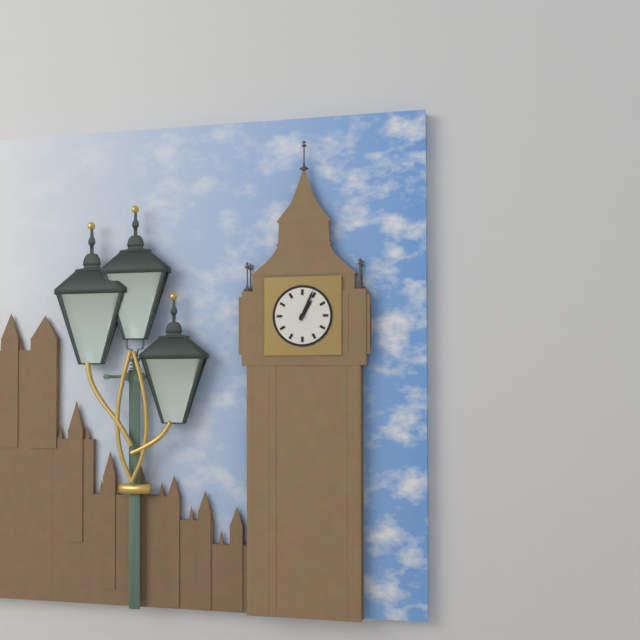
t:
**1:04**
